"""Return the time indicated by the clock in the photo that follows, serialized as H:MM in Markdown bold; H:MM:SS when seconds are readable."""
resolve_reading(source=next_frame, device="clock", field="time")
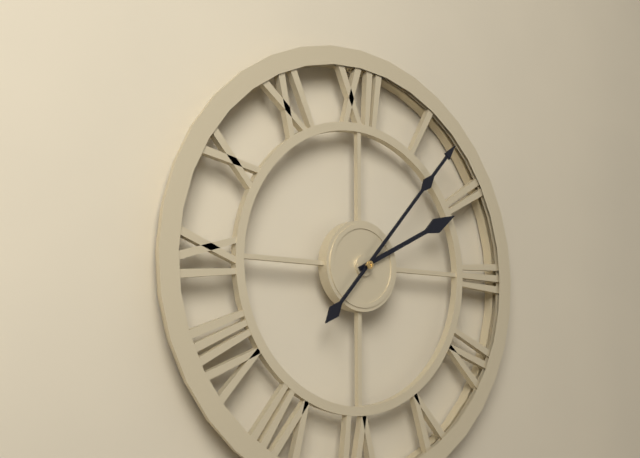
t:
**2:07**
